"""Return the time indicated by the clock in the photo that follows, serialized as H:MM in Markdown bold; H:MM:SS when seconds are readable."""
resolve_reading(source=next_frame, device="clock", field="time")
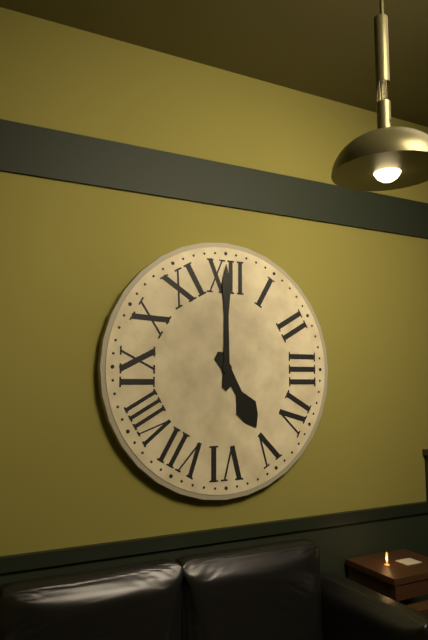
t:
**5:00**
